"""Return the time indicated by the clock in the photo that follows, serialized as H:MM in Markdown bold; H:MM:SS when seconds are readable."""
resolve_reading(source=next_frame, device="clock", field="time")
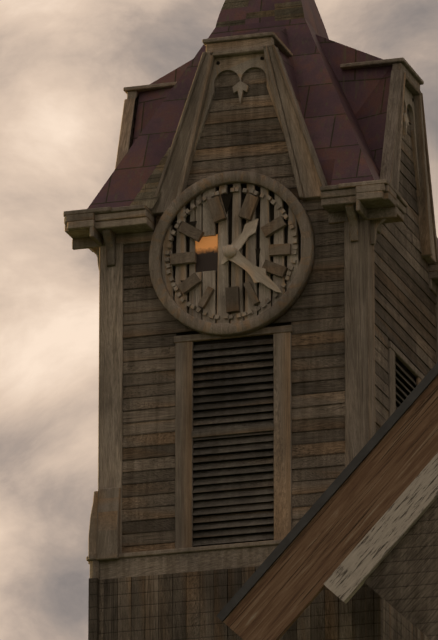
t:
**1:22**
